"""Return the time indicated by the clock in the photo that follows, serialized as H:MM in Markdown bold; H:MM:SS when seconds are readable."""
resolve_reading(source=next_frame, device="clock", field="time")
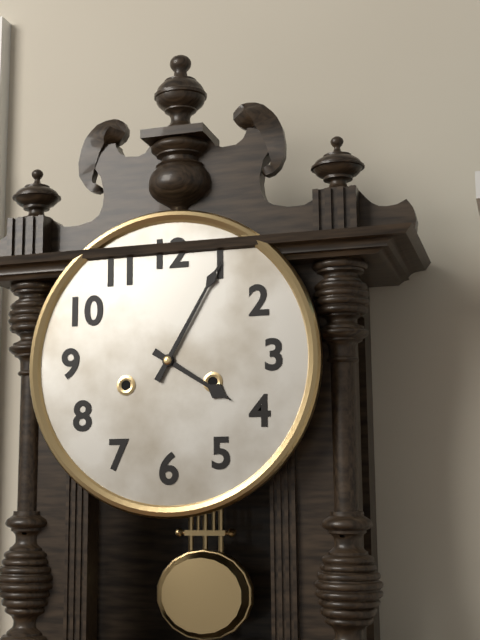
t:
**4:05**
